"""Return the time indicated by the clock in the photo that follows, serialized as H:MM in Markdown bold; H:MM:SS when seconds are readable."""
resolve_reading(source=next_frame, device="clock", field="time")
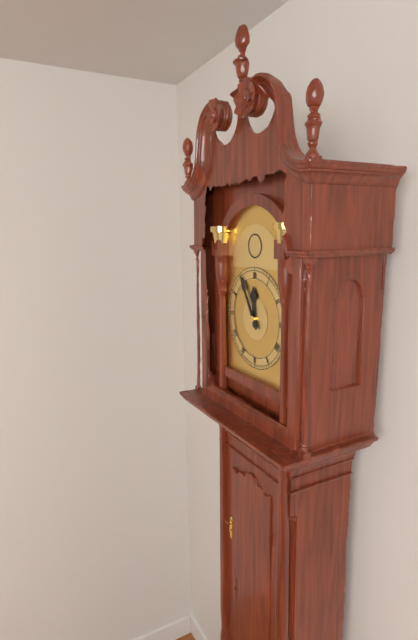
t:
**11:55**
